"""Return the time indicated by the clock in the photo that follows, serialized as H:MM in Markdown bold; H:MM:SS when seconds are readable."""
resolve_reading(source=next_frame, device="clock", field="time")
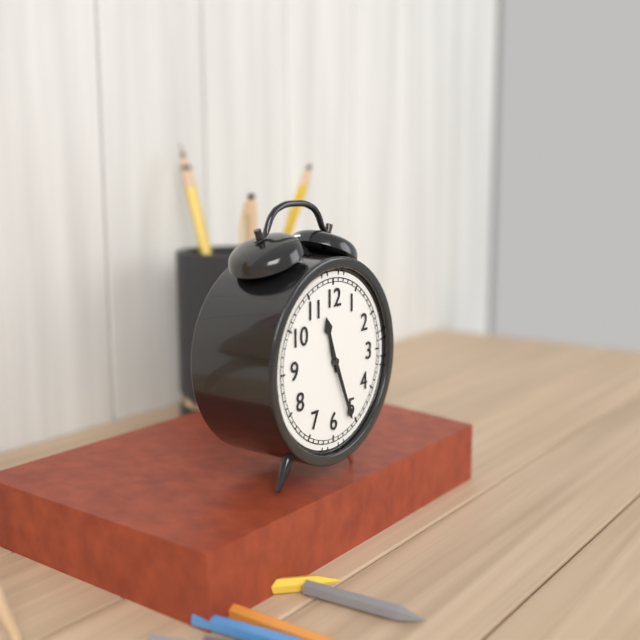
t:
**11:26**
